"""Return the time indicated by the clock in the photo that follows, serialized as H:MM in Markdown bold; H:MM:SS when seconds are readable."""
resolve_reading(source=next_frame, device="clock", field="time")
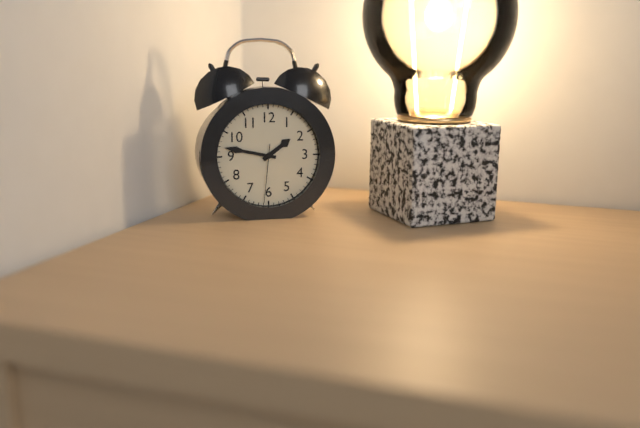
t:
**1:47:31**
